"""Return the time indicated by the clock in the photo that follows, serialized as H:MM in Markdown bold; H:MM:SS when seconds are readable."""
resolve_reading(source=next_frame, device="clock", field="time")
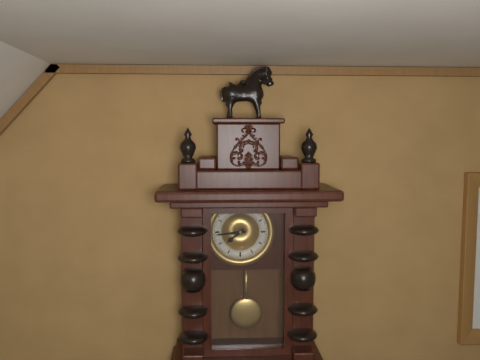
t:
**7:44**
